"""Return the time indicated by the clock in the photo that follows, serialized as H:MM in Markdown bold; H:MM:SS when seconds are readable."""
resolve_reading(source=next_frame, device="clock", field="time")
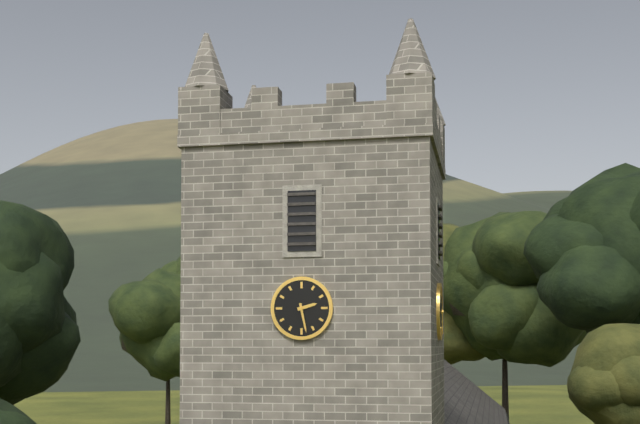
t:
**2:28**
